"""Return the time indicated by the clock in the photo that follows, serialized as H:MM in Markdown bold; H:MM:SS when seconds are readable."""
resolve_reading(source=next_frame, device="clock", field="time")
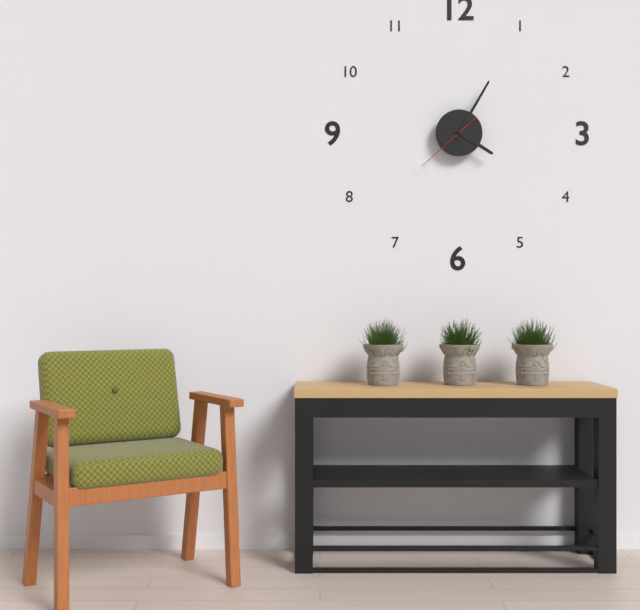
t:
**4:05:38**
